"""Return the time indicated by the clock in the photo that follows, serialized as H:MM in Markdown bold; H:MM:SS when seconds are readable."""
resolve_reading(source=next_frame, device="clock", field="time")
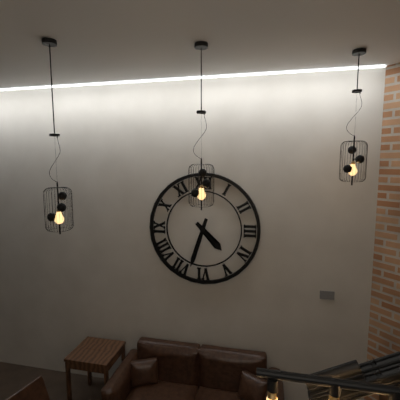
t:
**4:33**
